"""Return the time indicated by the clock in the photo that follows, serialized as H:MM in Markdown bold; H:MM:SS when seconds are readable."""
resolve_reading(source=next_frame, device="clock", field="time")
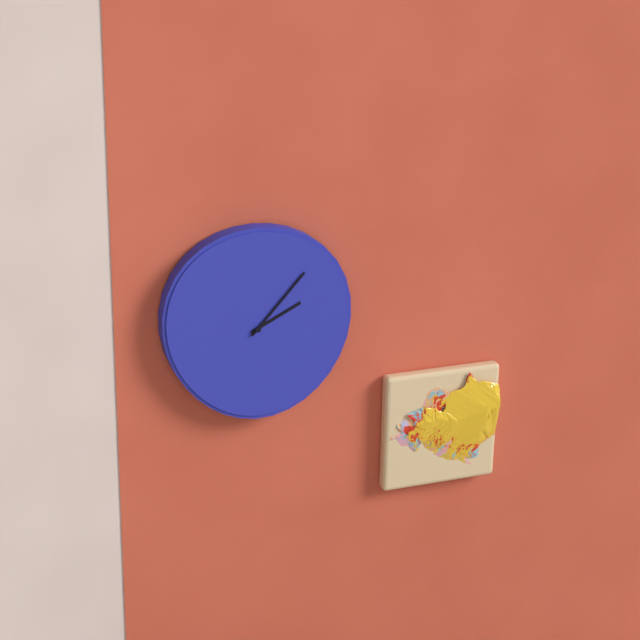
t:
**2:07**
